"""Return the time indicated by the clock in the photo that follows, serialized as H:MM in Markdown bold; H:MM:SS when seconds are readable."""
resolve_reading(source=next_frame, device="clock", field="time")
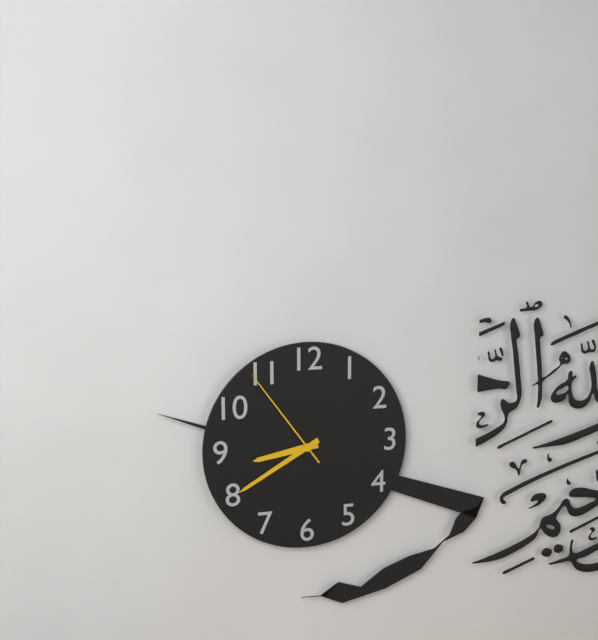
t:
**8:40:54**
